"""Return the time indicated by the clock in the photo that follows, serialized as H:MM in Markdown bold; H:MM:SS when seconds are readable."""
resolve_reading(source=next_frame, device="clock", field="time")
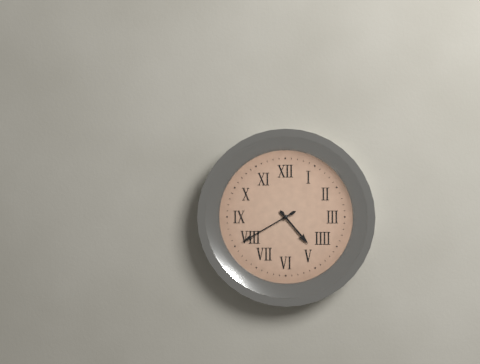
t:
**4:40**
